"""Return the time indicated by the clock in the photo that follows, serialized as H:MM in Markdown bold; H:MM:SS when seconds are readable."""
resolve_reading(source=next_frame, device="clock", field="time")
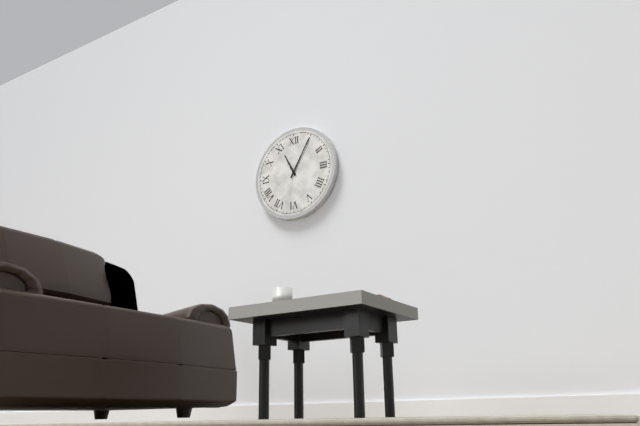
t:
**11:05**
